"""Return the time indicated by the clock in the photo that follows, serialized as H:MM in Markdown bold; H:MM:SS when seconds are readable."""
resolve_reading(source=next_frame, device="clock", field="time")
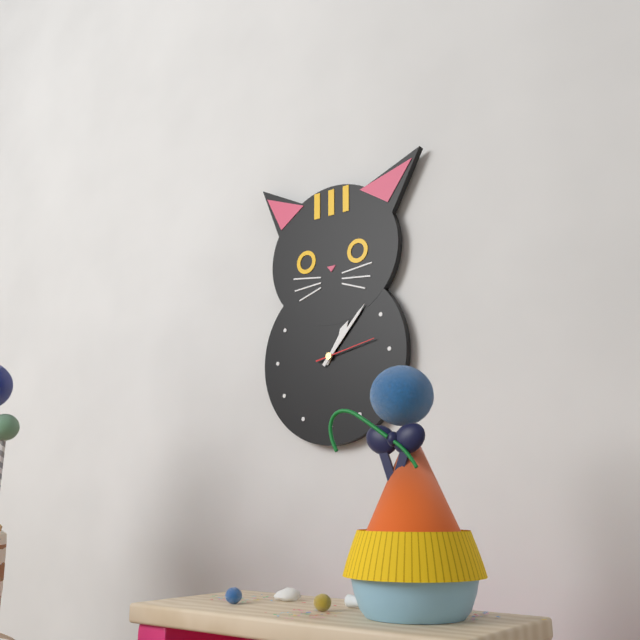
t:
**1:07:13**
